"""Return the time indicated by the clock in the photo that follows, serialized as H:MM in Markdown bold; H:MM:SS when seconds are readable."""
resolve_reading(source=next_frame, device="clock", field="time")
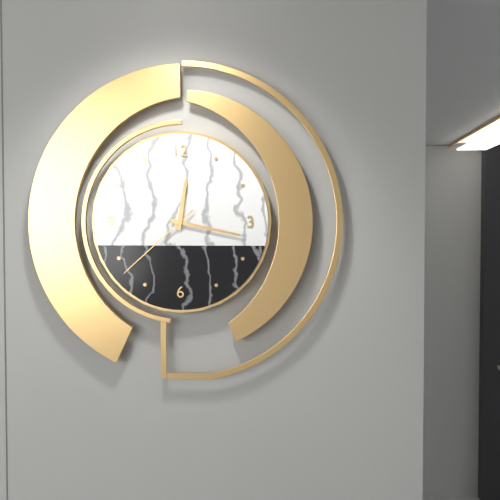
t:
**12:17:38**
